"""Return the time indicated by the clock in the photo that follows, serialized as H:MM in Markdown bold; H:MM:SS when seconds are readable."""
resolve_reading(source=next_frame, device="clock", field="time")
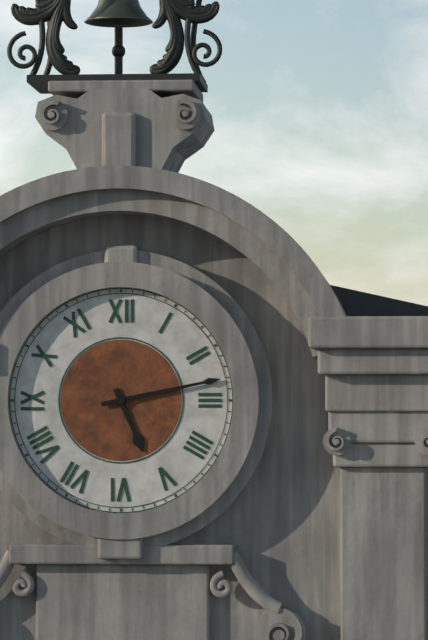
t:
**5:13**
